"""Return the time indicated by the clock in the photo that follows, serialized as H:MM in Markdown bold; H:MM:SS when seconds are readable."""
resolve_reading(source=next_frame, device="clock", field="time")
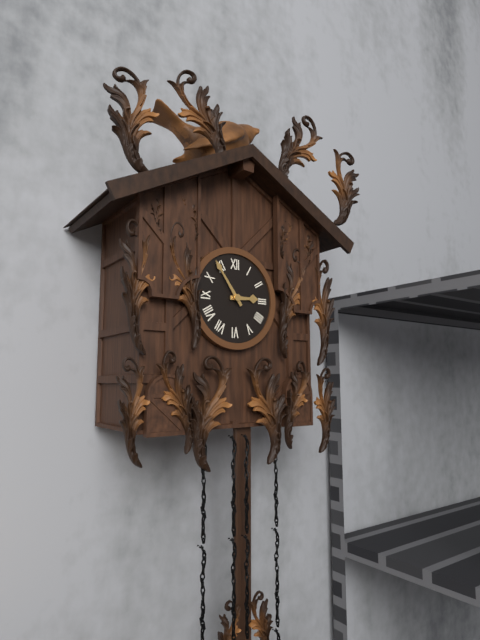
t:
**2:54**
